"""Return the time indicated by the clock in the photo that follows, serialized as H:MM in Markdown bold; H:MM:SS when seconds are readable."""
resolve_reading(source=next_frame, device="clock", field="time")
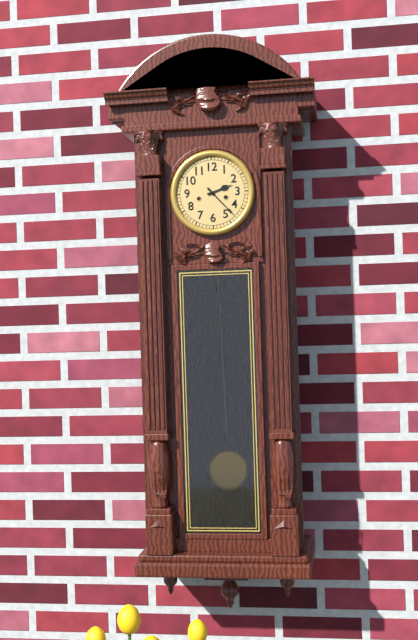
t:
**2:23**
